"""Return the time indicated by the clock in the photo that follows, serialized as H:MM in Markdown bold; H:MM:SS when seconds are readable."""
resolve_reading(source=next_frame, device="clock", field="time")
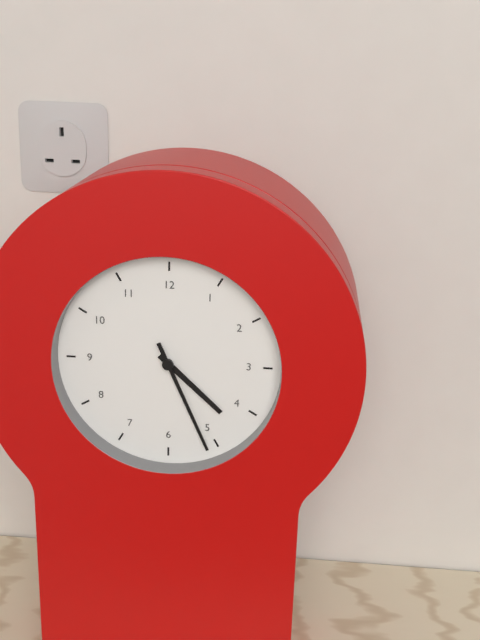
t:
**4:26**
